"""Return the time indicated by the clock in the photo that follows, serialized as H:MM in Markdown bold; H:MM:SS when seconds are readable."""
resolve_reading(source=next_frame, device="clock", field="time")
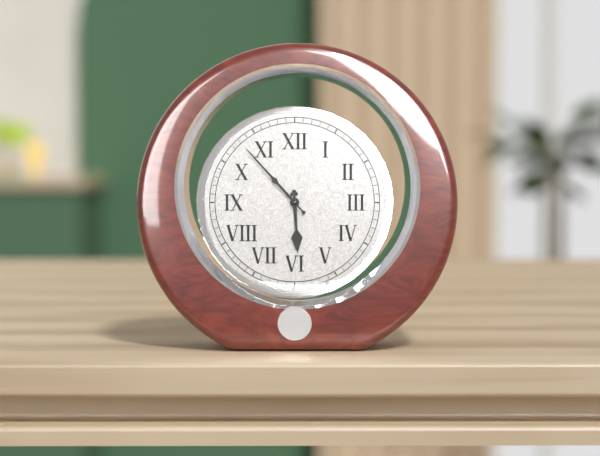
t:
**5:53**
